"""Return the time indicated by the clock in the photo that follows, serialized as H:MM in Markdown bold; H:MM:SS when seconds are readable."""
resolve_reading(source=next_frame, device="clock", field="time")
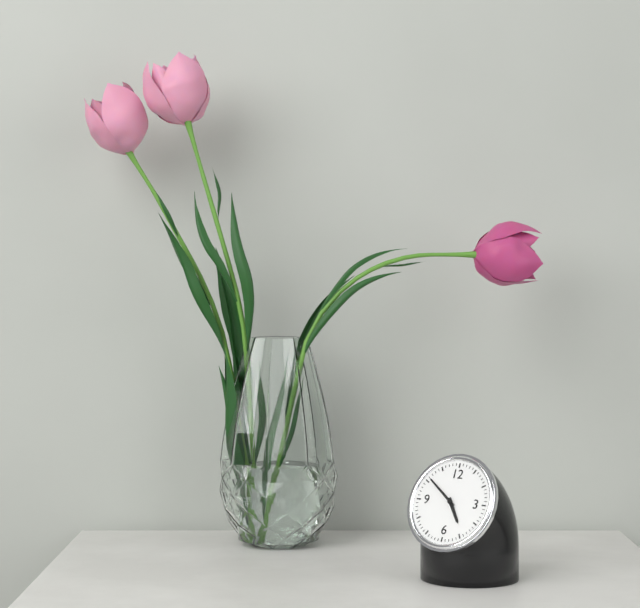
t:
**4:51**
